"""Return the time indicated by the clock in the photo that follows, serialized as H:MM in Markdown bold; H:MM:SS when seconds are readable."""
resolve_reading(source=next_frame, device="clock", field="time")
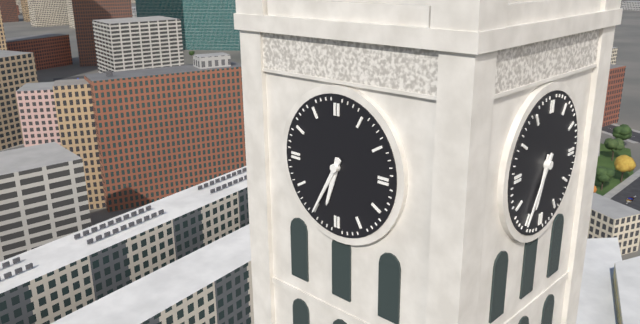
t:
**6:35**
